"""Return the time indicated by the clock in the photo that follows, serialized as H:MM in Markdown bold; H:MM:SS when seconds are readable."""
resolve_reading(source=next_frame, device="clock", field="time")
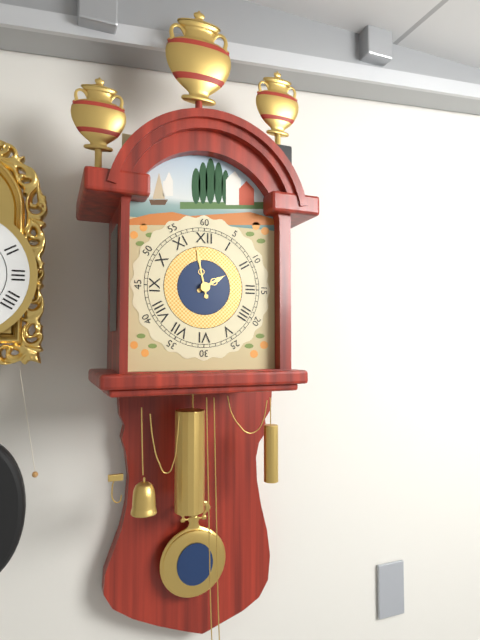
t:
**1:58**
